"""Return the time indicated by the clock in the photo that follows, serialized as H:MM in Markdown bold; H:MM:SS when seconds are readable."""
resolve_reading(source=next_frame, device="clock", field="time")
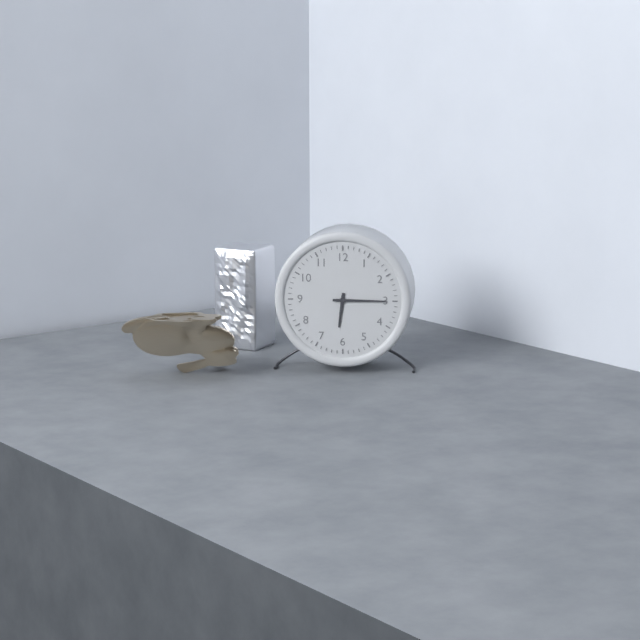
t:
**6:15**
